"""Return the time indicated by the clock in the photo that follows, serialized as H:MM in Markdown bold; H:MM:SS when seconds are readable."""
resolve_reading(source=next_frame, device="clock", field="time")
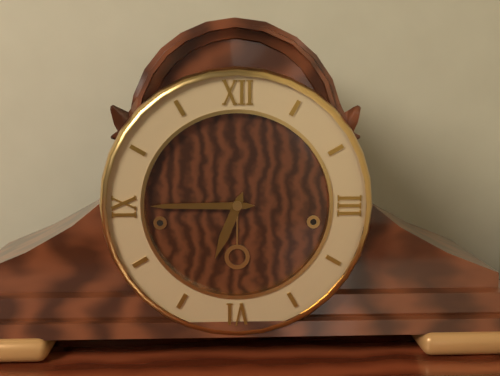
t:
**6:45**
